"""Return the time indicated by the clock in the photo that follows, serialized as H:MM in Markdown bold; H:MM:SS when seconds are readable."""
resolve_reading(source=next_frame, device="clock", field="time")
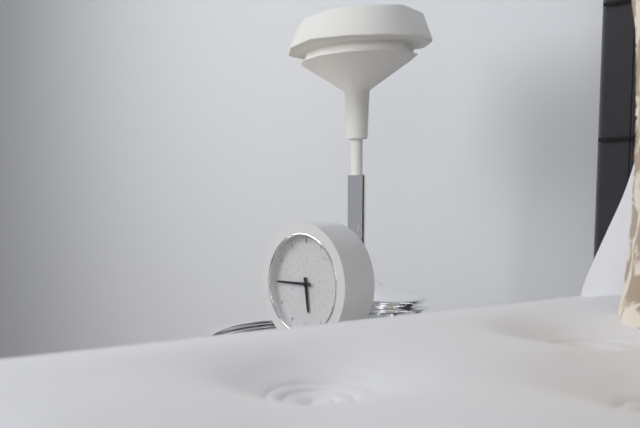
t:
**5:45**
